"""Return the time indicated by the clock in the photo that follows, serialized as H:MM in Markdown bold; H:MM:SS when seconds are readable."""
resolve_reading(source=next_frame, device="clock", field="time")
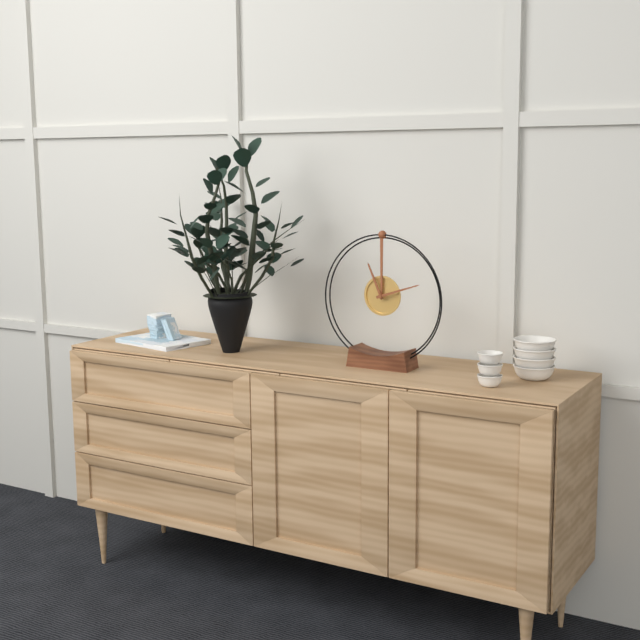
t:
**11:12**
